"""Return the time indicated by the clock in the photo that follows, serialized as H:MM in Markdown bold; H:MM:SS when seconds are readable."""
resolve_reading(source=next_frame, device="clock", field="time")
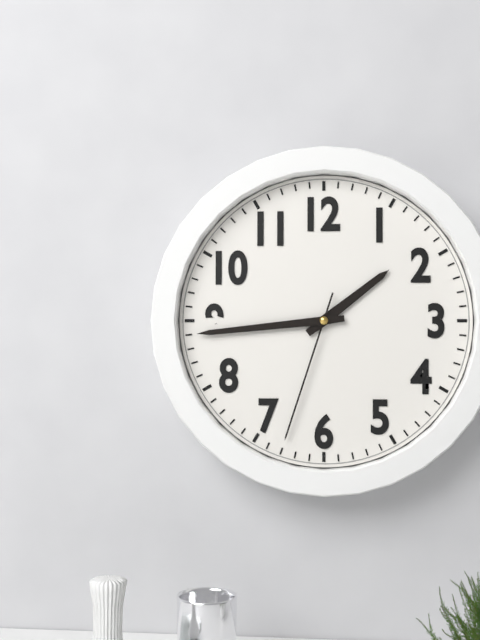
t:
**1:44:33**
